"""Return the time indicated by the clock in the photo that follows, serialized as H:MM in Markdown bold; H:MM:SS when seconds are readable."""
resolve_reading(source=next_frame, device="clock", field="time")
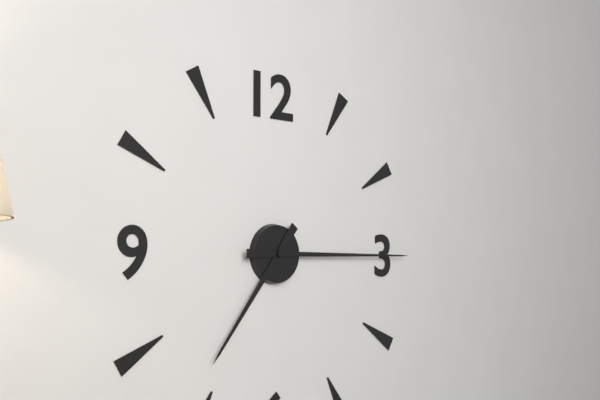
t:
**7:15**
